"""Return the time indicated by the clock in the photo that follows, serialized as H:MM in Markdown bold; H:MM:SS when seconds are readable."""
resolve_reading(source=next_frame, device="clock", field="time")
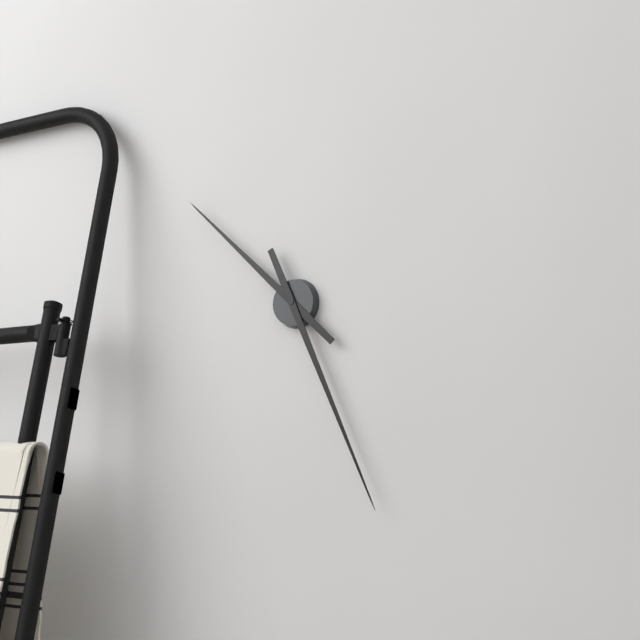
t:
**10:26**
